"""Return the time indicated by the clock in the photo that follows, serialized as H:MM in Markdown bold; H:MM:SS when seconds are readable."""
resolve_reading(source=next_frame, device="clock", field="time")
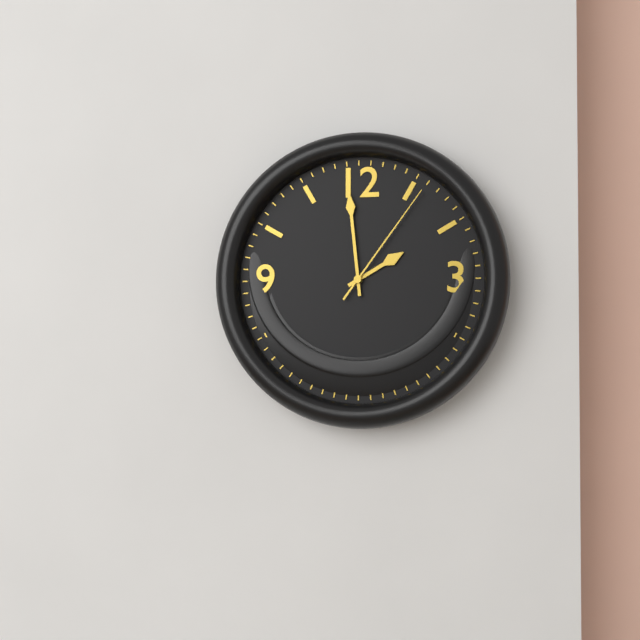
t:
**1:59:06**
